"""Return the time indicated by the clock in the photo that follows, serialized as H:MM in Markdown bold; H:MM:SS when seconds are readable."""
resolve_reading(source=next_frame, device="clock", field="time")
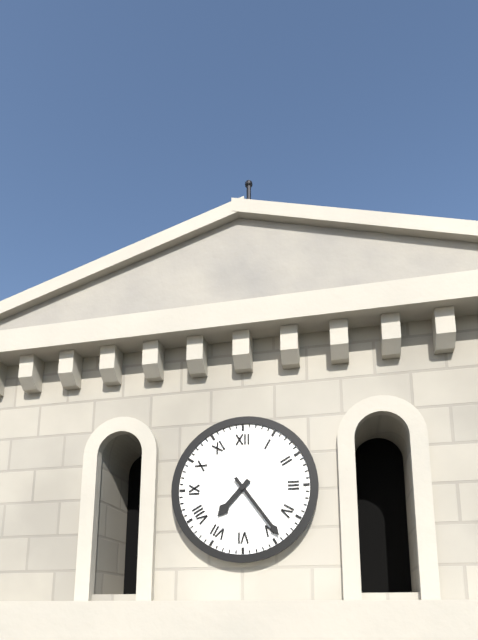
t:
**7:24**
